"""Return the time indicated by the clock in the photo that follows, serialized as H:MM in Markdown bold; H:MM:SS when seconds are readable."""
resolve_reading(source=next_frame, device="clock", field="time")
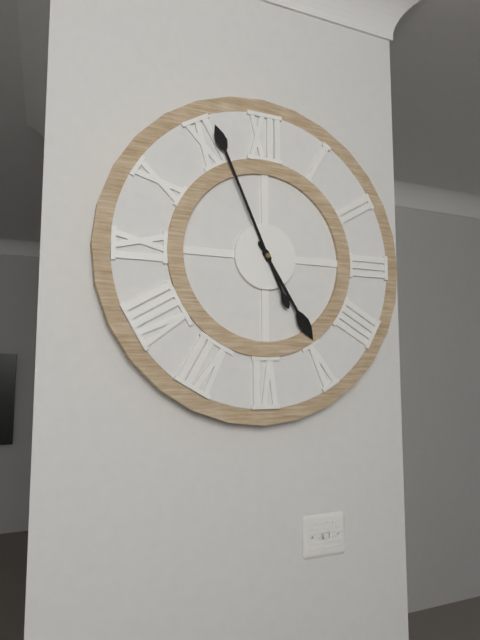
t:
**4:56**
